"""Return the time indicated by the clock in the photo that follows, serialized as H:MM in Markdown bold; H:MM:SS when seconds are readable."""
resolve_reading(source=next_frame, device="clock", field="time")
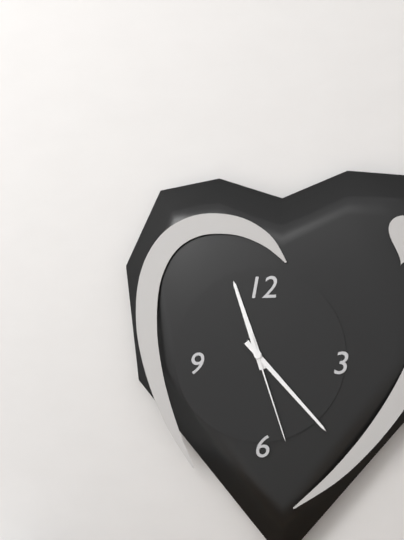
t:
**11:23:27**
